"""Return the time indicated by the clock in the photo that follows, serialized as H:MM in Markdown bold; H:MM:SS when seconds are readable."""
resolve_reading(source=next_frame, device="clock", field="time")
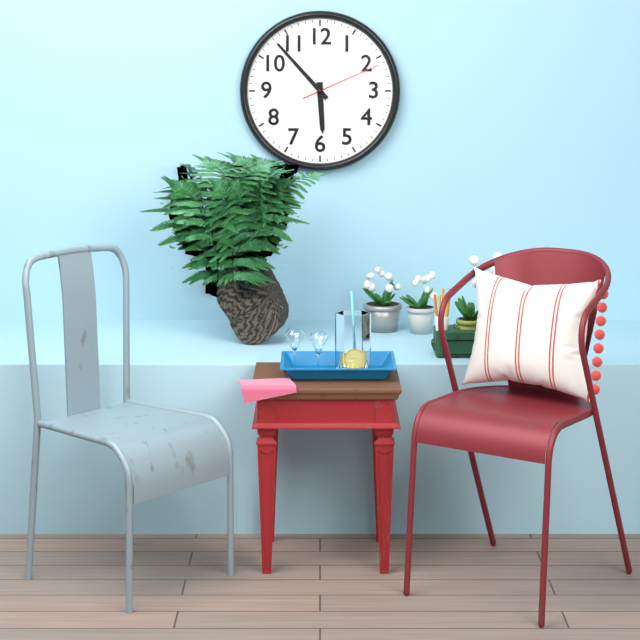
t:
**5:53:11**
